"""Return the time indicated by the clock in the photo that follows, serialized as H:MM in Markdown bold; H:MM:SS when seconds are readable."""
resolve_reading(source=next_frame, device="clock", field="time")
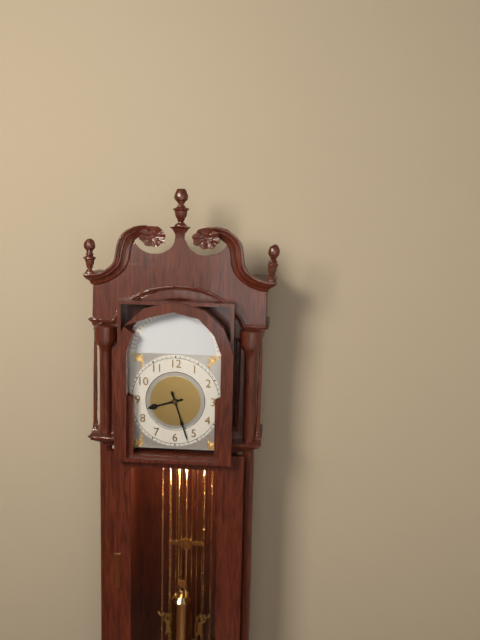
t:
**8:27**
